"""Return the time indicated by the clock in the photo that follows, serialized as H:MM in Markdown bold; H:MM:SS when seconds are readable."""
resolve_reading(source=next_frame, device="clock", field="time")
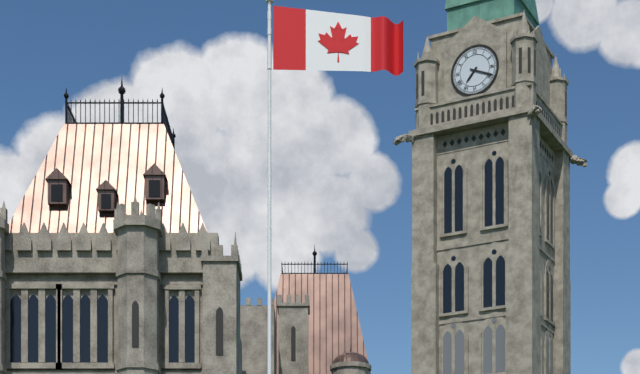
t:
**7:19**
